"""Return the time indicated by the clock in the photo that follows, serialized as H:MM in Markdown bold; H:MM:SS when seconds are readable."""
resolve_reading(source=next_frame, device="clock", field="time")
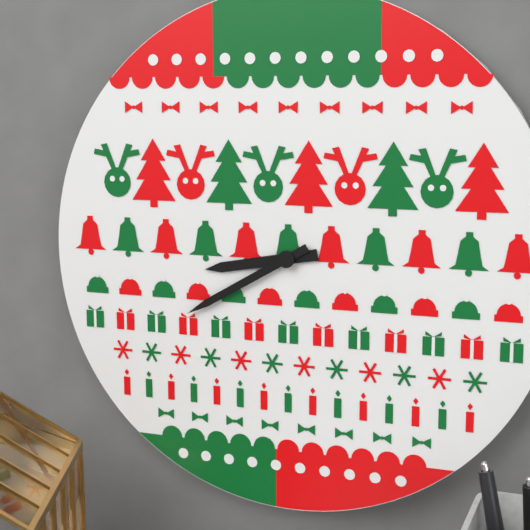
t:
**8:40**
